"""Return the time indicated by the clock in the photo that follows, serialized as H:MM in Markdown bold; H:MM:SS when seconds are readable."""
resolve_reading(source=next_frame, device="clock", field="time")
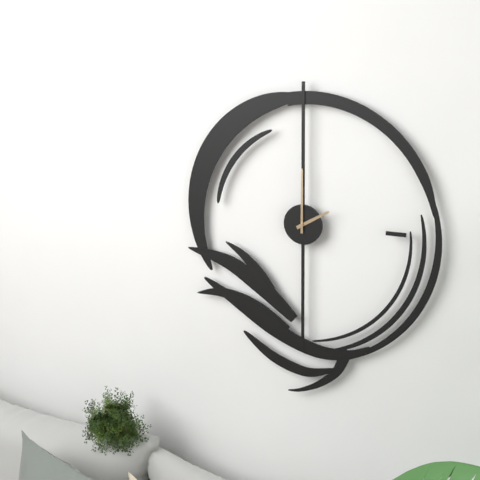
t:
**2:00**
